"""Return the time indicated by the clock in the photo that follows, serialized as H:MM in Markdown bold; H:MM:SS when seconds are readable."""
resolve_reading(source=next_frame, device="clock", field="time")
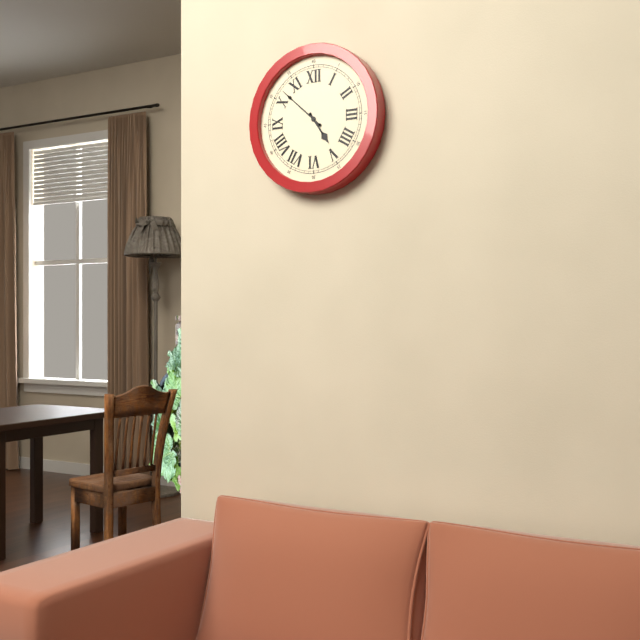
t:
**4:52**
